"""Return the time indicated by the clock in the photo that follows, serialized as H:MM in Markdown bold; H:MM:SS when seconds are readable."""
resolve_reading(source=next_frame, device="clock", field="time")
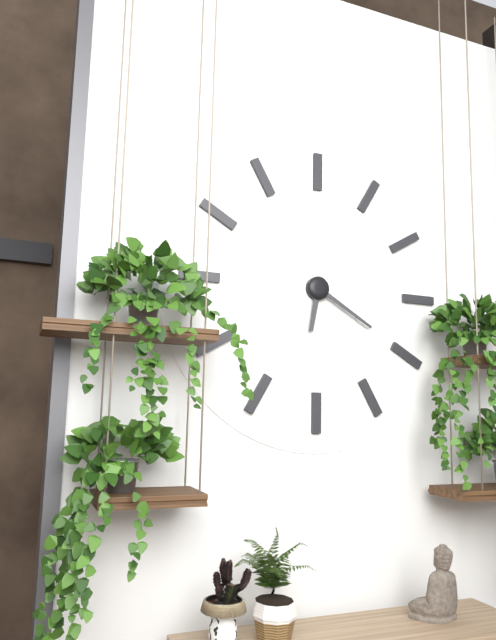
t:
**6:20**
